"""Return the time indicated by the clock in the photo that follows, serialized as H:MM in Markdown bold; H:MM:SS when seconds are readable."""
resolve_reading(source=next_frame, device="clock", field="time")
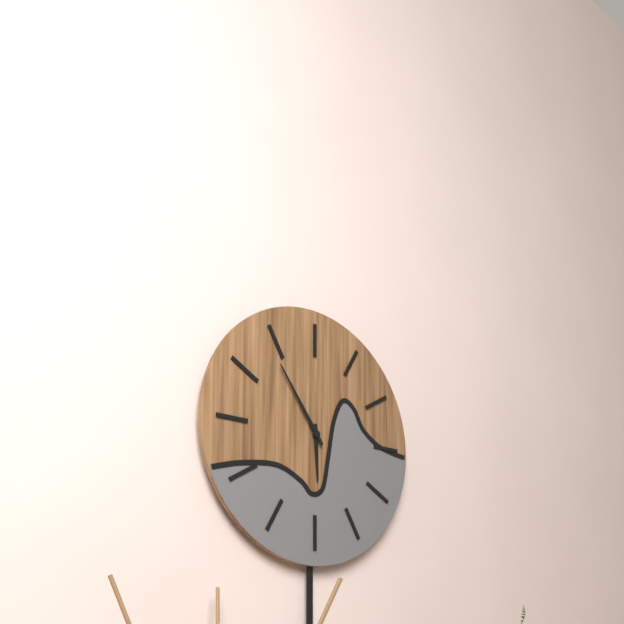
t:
**5:54**
